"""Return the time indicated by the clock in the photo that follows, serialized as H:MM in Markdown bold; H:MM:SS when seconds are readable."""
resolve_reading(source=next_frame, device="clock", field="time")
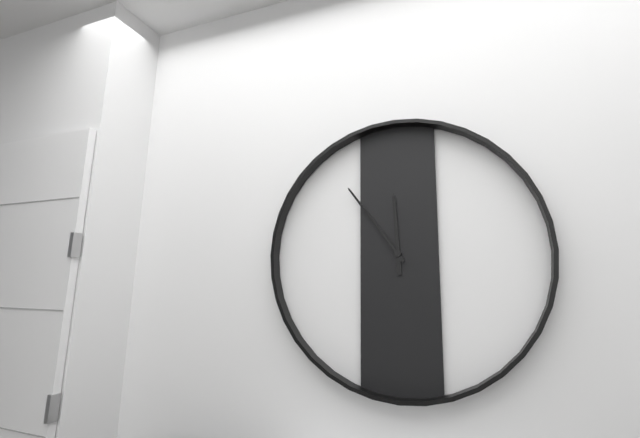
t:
**11:54**
